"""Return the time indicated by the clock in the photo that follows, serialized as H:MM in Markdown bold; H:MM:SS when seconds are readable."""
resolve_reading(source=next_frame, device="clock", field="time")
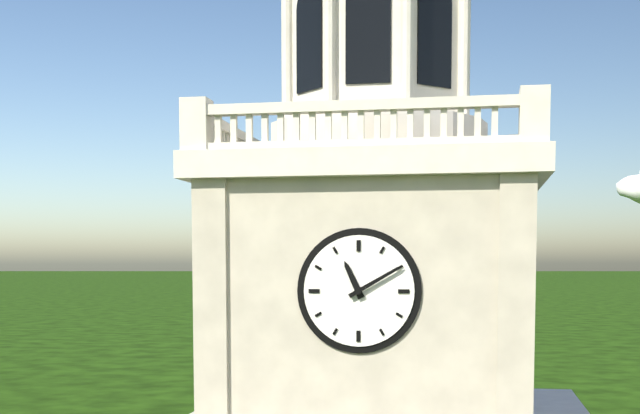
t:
**11:10**
